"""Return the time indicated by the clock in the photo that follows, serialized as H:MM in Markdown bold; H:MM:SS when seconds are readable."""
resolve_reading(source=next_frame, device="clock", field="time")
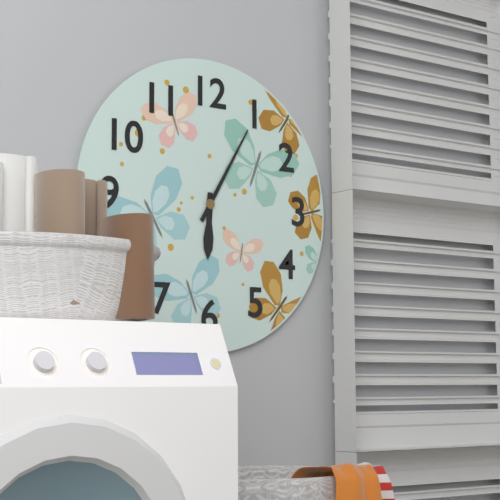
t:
**6:05**
